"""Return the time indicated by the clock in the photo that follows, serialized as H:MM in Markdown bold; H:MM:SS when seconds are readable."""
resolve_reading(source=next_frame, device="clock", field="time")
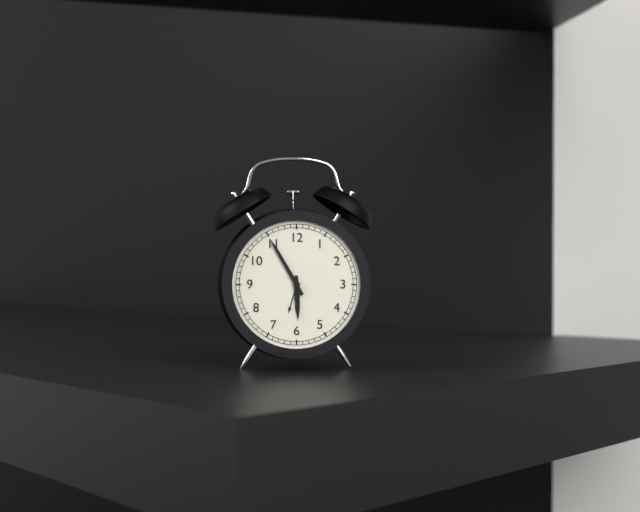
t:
**5:55**
